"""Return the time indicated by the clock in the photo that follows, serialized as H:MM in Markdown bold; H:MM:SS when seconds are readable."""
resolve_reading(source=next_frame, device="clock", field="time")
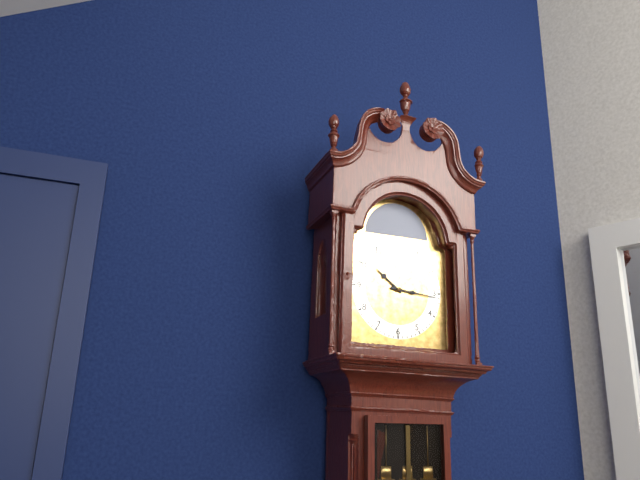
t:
**10:16**
